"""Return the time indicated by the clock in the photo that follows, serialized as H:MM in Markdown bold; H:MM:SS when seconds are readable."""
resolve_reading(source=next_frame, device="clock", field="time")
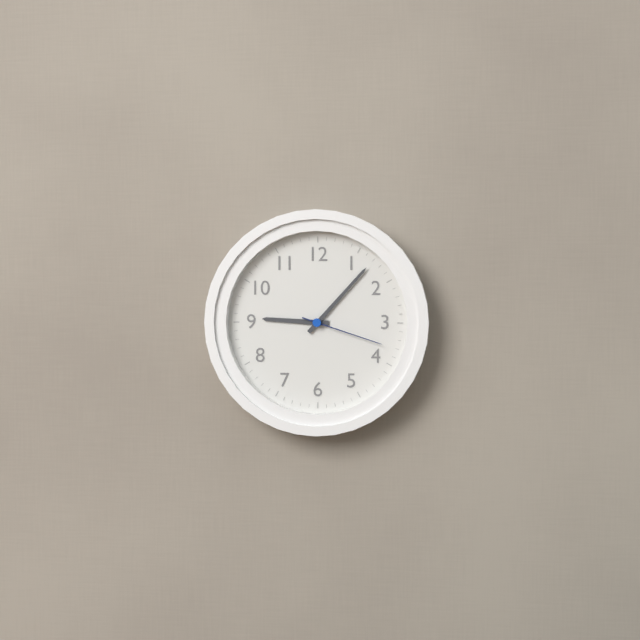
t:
**9:07:18**
